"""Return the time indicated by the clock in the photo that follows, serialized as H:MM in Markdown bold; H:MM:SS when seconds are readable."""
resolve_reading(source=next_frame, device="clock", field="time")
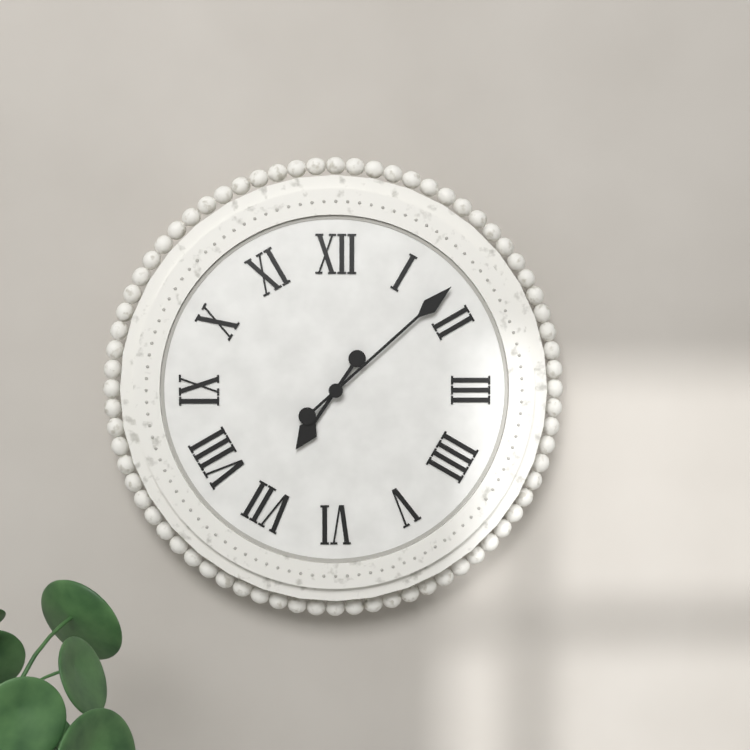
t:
**7:08**
